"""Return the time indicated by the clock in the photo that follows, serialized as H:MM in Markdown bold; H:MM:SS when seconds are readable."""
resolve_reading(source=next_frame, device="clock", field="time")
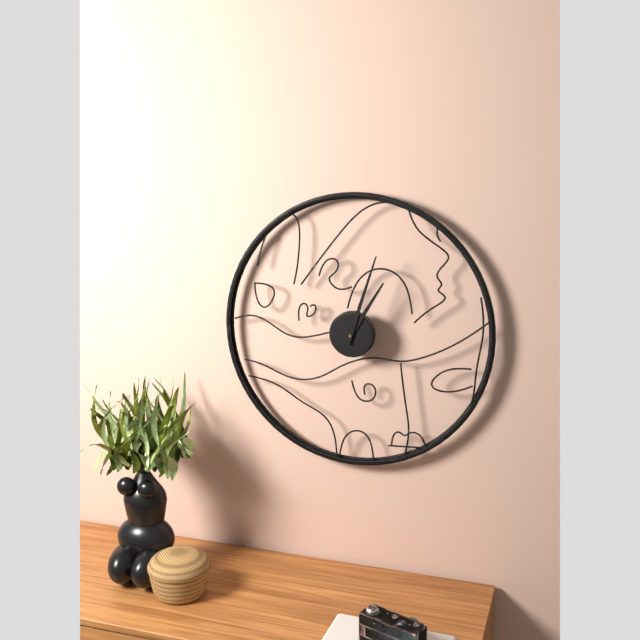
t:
**1:03**
